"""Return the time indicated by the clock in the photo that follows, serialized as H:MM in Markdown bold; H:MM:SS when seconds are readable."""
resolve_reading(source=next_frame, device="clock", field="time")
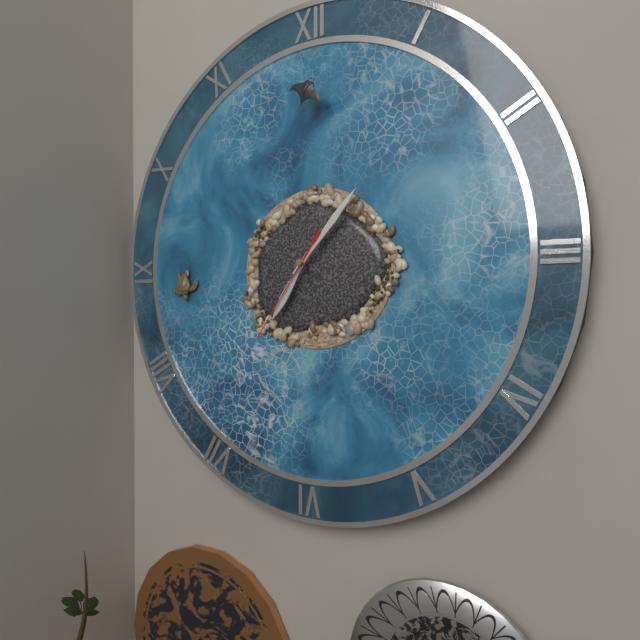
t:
**7:07:36**
